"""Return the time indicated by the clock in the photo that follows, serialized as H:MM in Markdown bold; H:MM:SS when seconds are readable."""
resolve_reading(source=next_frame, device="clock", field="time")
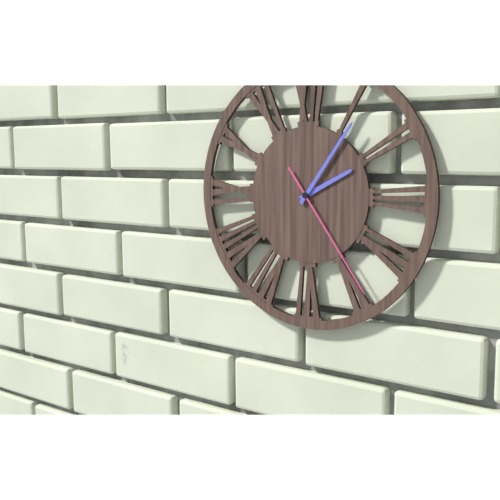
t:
**2:06:24**
